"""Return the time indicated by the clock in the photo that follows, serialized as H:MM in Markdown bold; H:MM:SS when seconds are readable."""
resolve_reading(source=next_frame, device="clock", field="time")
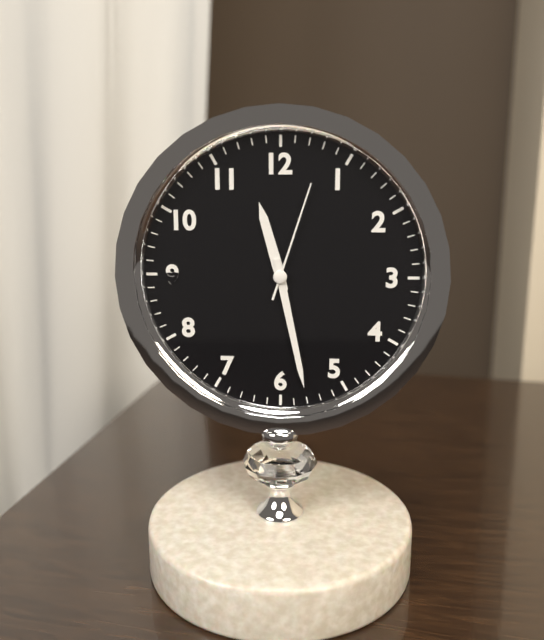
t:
**11:28:03**
